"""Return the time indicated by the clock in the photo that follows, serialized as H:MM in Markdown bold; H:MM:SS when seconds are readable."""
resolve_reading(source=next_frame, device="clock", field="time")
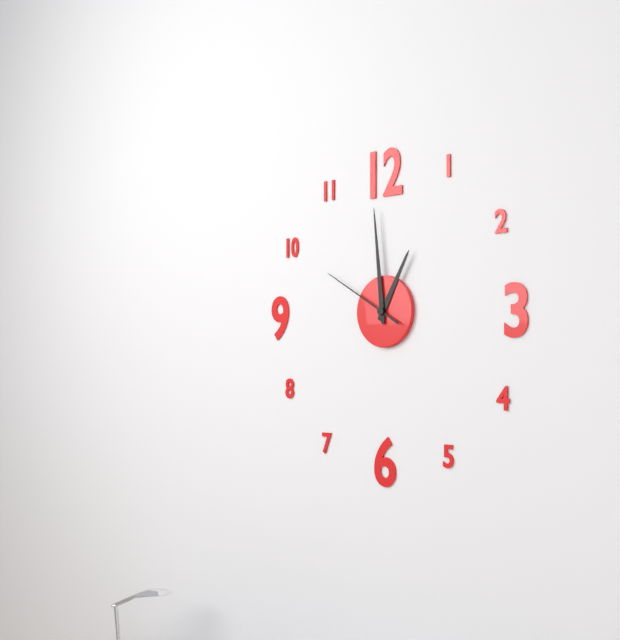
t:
**12:59:50**
